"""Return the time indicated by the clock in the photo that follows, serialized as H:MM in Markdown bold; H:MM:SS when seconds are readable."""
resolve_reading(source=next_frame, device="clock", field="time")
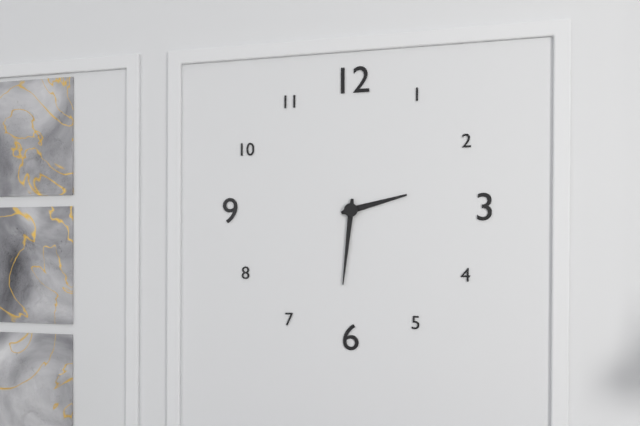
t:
**2:31**
